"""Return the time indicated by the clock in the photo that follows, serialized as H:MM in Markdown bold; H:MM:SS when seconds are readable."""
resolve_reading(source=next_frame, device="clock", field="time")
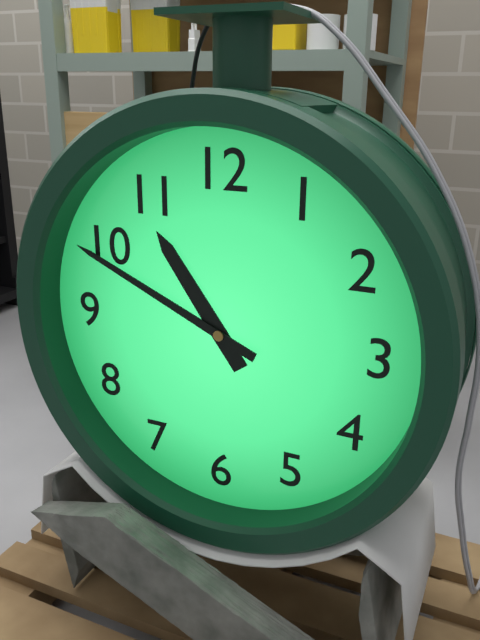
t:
**10:49**
